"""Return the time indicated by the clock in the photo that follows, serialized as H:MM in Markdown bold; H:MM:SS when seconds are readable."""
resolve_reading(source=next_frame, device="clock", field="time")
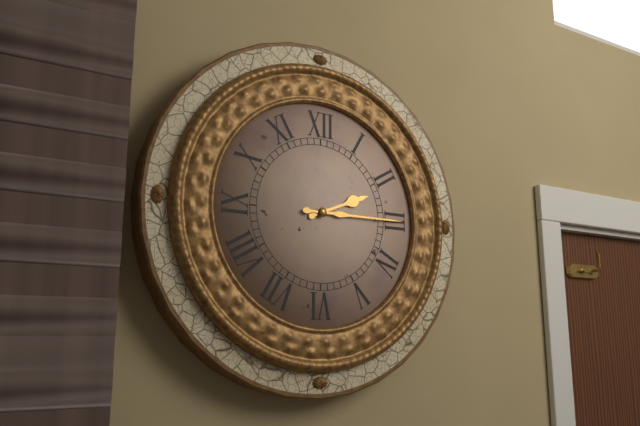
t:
**2:15**
